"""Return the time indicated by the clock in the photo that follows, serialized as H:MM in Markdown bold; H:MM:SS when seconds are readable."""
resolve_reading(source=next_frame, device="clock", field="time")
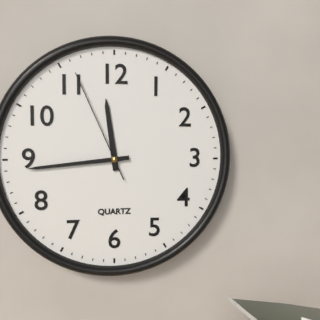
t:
**11:44:56**
